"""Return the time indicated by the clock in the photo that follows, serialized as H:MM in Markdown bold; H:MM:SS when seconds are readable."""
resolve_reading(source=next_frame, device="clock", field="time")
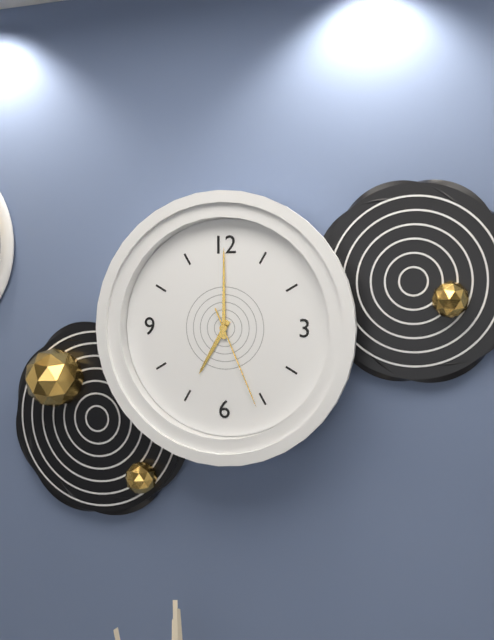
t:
**7:00:26**
